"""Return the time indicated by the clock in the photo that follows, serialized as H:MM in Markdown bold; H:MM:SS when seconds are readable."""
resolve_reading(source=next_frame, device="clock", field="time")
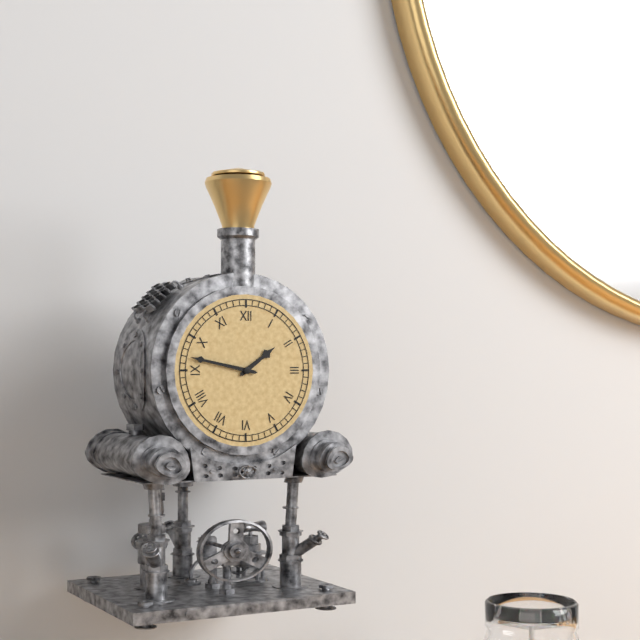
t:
**1:47**
